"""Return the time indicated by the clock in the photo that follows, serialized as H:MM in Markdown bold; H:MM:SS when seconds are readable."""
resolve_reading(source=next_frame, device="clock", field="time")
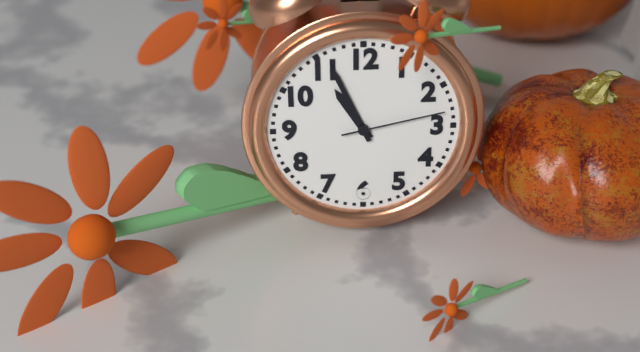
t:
**10:56:13**
